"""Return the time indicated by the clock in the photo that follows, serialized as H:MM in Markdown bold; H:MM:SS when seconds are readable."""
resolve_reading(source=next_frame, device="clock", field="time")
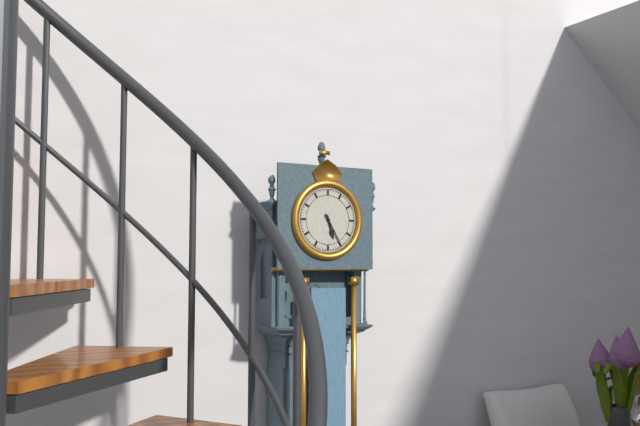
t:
**5:25**
